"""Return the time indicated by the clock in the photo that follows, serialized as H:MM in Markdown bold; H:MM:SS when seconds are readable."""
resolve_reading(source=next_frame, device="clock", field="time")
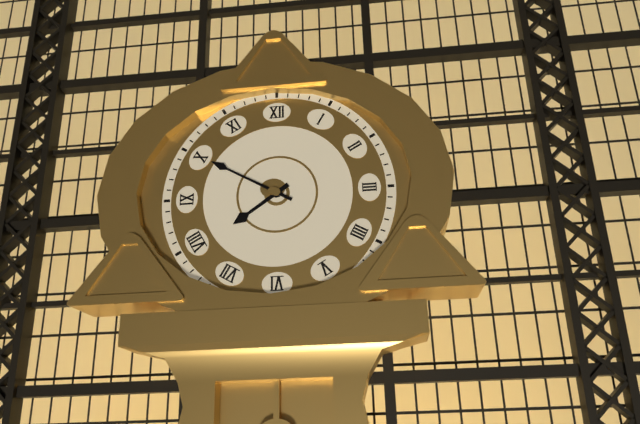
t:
**7:50**
